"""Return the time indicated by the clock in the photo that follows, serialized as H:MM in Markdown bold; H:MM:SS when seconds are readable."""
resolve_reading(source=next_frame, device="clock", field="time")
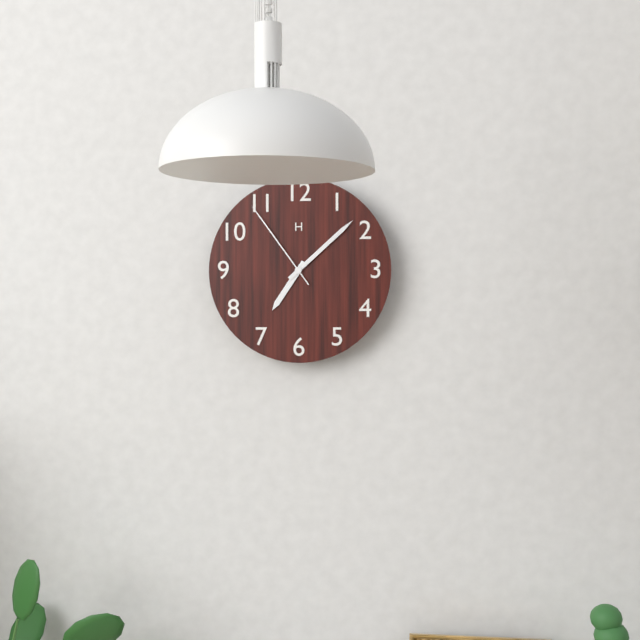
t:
**7:08:54**
